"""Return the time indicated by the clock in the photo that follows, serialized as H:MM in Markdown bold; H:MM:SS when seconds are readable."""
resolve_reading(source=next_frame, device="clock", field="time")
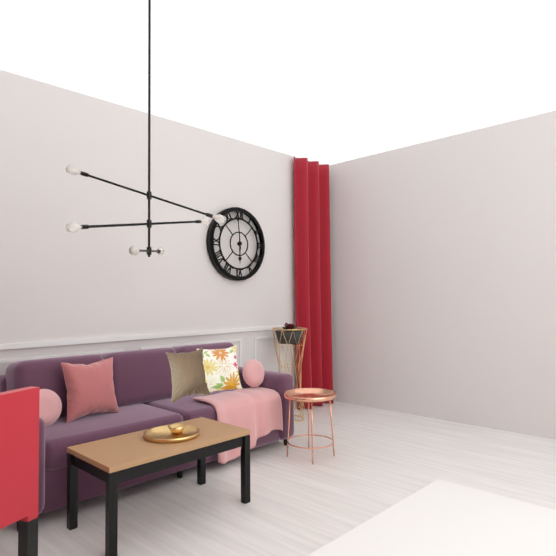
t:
**5:59**
